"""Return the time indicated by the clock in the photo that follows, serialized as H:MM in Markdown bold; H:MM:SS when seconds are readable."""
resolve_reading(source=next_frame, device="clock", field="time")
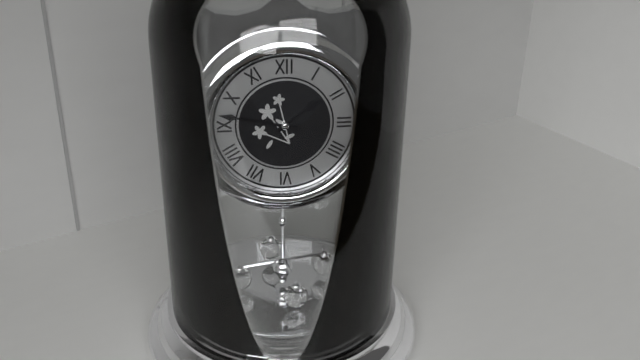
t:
**1:47**
